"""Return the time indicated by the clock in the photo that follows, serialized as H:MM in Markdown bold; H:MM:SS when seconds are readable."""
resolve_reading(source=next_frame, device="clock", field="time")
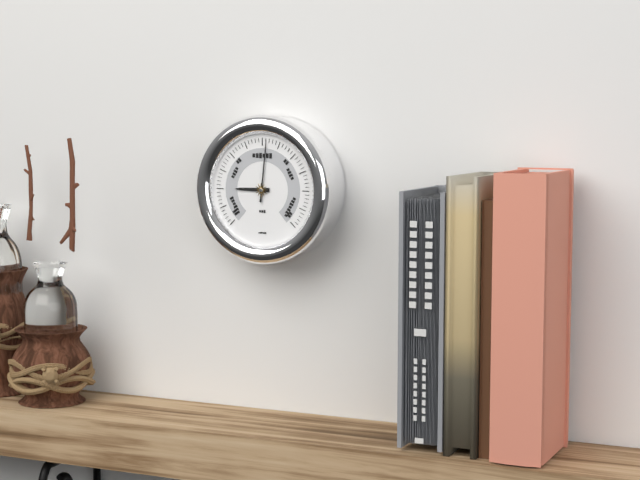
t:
**9:01**
